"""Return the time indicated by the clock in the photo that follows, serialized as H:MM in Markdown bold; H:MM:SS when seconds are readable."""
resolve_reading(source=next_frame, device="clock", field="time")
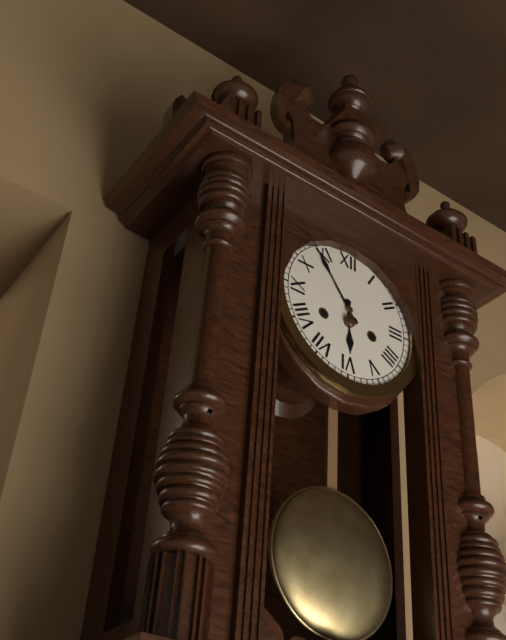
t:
**5:54**
